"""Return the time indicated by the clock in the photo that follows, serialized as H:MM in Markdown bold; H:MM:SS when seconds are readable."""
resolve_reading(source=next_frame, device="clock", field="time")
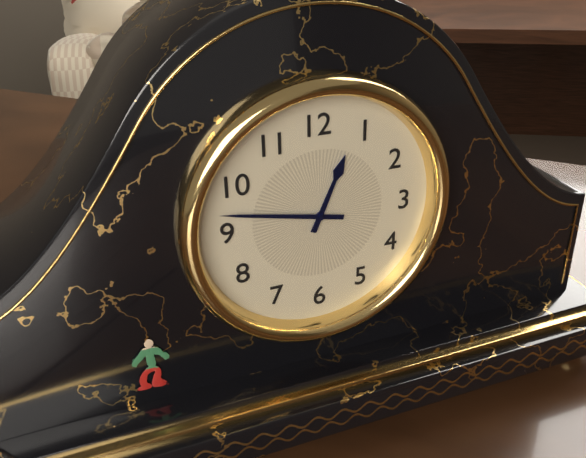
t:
**12:47**
